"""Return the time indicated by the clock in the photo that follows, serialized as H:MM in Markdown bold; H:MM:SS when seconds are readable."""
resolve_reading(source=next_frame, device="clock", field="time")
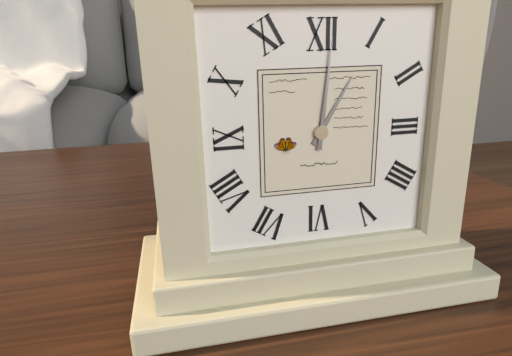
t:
**1:01**
